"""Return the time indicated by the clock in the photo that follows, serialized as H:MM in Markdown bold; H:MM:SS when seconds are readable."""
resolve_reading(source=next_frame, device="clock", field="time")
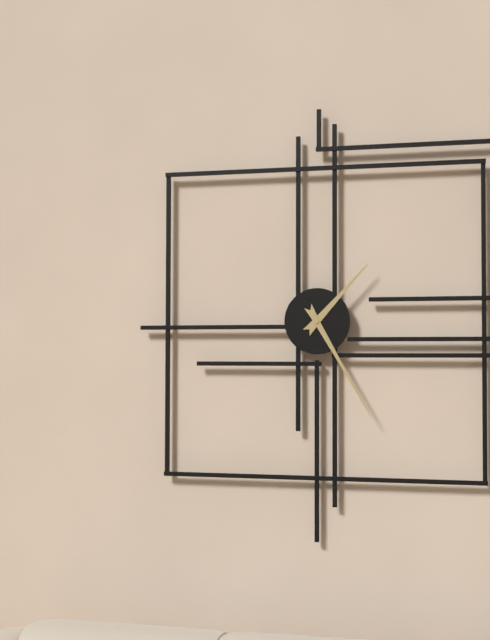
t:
**1:25**
